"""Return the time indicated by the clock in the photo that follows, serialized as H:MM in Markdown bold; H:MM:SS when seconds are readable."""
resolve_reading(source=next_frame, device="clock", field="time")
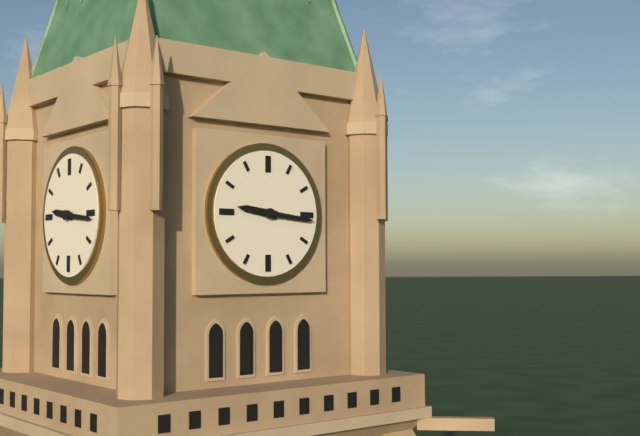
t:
**9:16**
